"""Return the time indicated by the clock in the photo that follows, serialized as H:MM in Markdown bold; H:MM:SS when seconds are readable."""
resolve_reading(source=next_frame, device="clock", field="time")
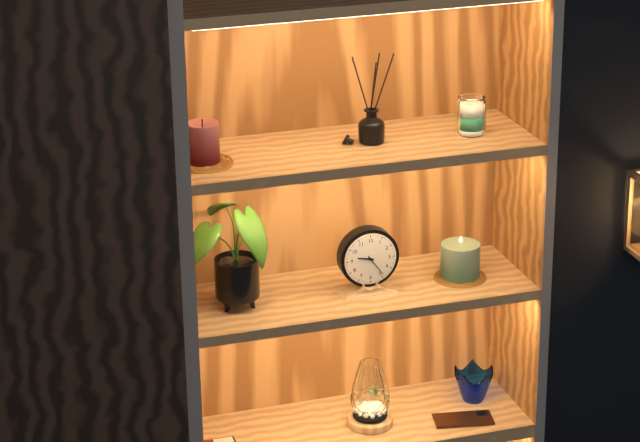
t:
**9:24**
